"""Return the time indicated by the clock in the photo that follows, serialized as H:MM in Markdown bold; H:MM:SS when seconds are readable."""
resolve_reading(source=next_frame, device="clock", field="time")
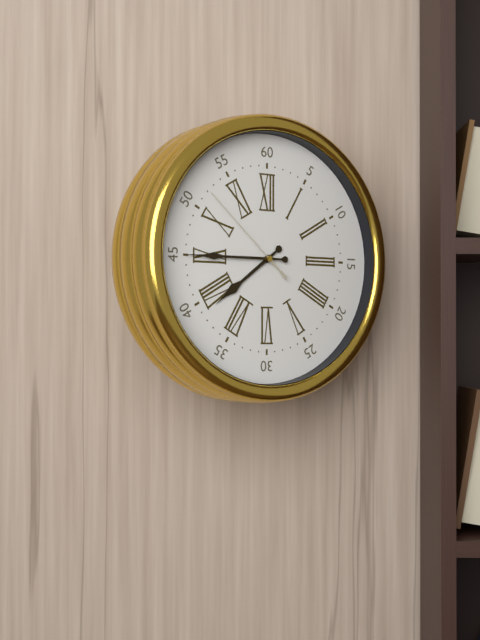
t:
**7:45:52**
